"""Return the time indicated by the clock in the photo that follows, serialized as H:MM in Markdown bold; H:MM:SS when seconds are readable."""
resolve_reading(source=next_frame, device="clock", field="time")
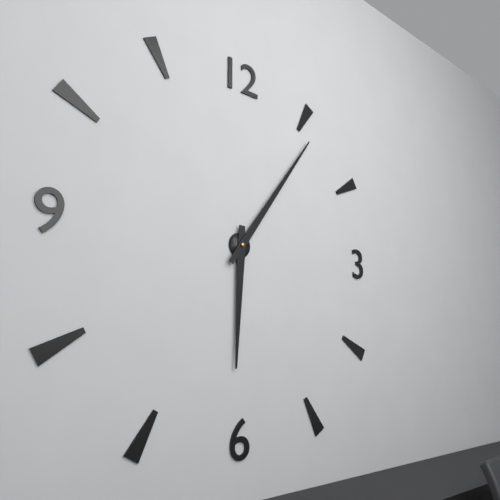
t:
**6:06**
